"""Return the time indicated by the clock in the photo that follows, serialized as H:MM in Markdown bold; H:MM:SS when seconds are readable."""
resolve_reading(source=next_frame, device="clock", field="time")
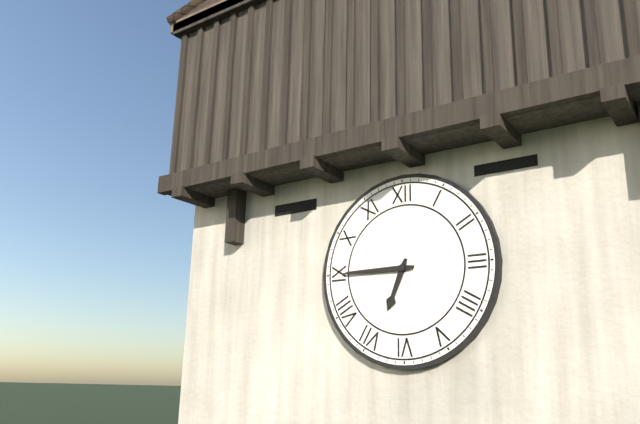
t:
**6:45**
